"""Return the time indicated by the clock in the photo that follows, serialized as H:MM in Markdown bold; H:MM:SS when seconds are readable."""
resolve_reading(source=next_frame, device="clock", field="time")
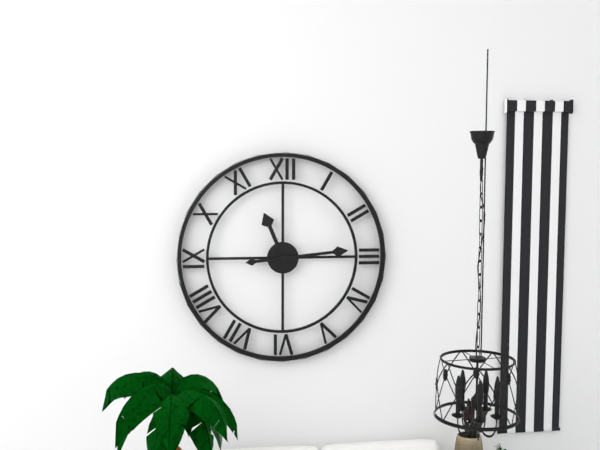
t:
**11:14**
